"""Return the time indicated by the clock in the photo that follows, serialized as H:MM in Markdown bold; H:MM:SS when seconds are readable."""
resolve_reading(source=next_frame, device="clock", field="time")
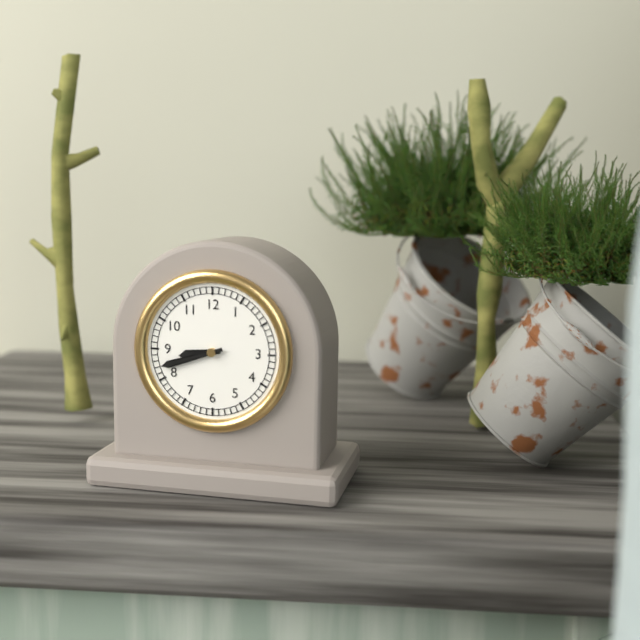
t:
**8:42**
